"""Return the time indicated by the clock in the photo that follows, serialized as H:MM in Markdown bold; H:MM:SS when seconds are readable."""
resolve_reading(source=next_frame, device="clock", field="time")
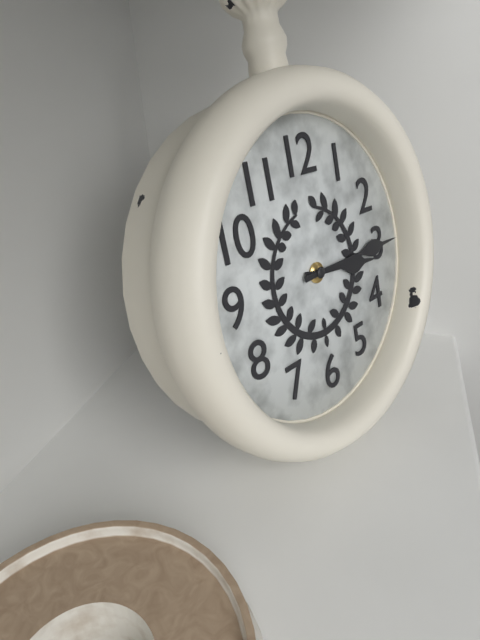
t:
**3:15**
